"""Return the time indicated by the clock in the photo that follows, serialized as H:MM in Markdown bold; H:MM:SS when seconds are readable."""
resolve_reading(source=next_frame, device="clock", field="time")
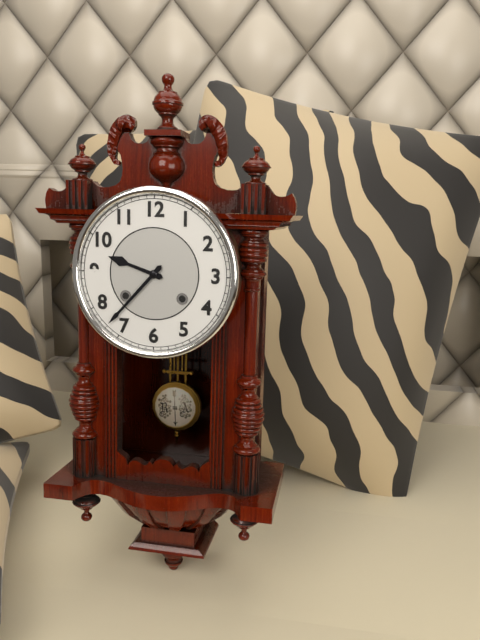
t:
**9:37**
